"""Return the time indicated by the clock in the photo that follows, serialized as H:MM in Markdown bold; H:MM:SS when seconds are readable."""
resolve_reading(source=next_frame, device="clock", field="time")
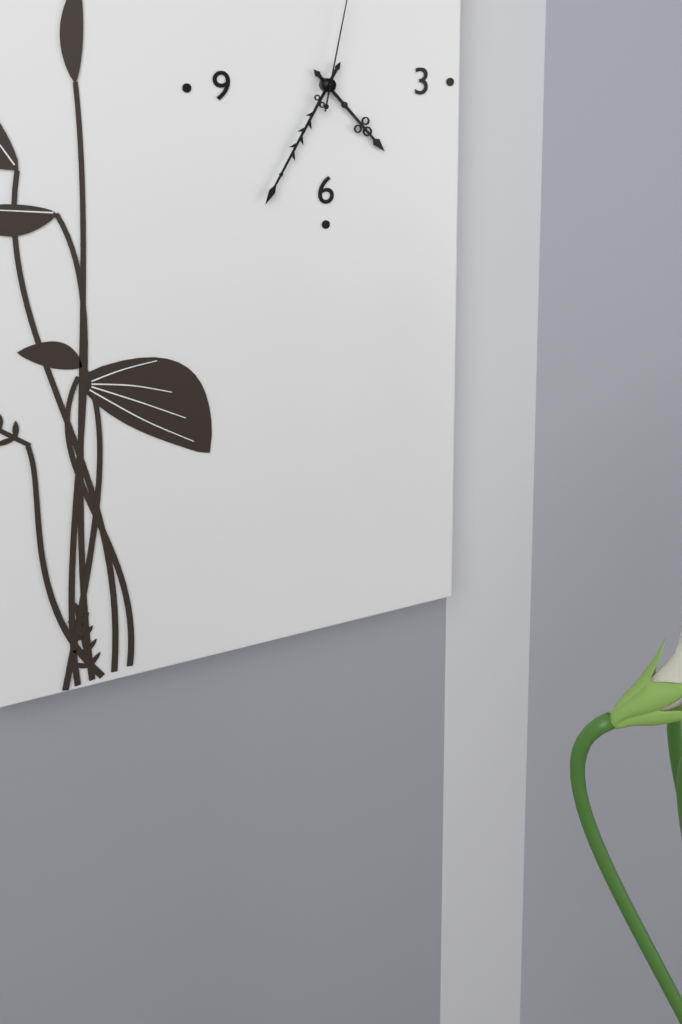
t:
**4:35**
